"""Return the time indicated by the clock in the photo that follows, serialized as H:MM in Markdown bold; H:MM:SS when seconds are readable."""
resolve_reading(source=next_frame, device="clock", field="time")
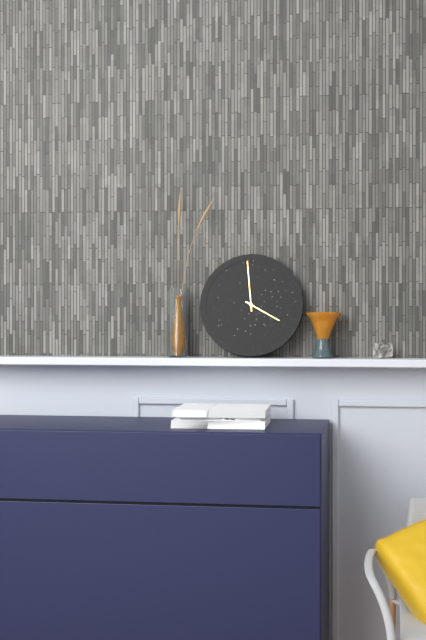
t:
**3:59**
